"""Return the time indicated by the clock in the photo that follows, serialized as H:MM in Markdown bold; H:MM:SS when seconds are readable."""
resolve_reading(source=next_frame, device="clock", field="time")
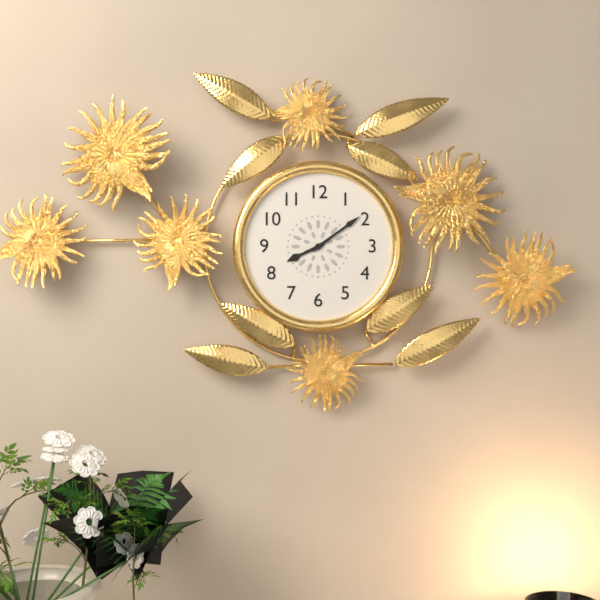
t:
**8:09**
